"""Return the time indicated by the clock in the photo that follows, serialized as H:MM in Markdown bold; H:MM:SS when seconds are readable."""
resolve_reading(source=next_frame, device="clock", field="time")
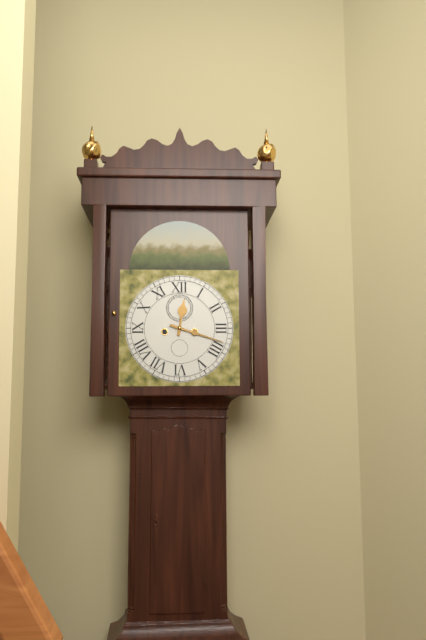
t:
**12:18**
